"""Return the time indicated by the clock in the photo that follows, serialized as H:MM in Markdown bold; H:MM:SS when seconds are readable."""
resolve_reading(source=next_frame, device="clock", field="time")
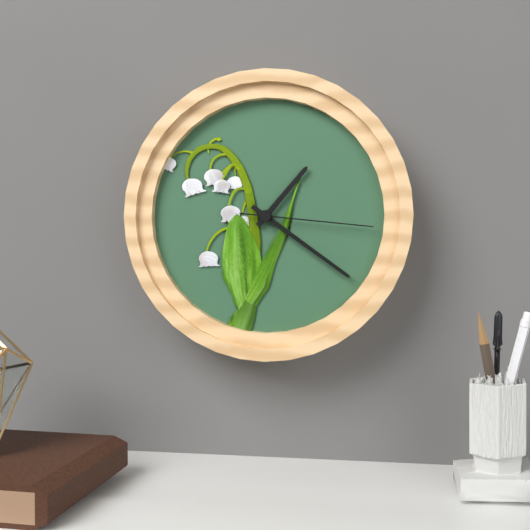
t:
**1:21:16**
